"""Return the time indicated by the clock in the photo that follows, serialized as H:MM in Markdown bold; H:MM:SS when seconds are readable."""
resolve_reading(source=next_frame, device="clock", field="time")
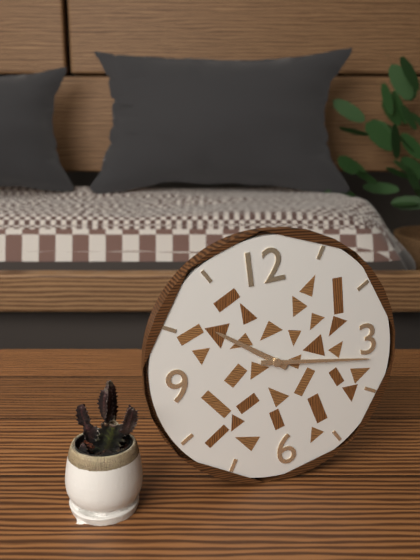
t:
**10:17**
